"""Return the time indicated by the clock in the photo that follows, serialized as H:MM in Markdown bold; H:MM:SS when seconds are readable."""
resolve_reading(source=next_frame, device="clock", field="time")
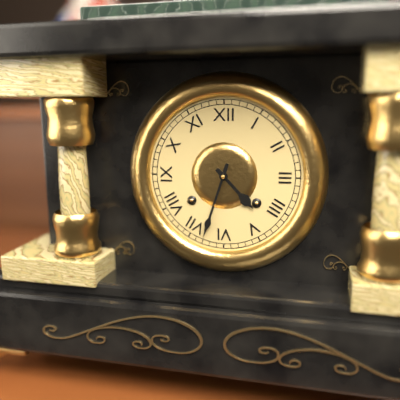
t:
**4:33**
